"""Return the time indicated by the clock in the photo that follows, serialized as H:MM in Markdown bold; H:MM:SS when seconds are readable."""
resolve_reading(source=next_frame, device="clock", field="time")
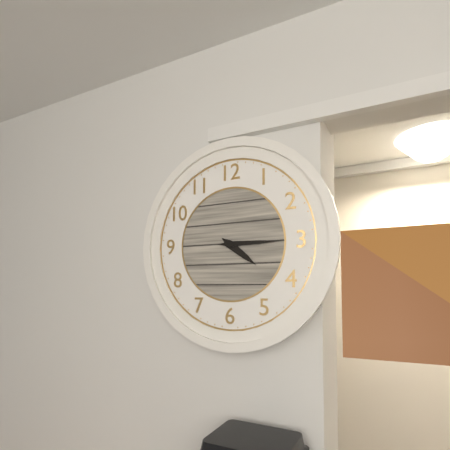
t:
**4:15**
